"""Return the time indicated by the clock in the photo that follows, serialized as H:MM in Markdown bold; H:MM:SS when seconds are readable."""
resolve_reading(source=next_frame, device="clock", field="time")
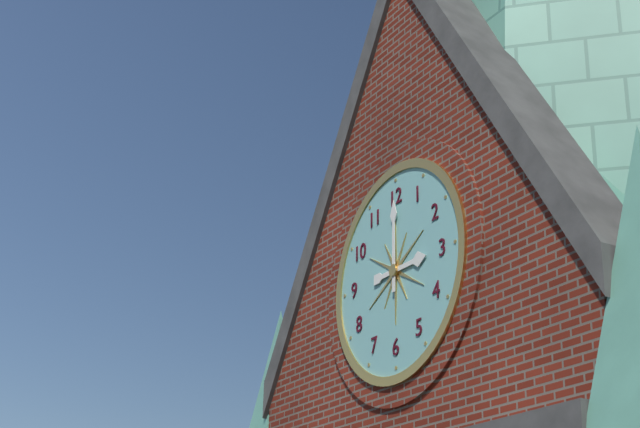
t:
**3:00**
